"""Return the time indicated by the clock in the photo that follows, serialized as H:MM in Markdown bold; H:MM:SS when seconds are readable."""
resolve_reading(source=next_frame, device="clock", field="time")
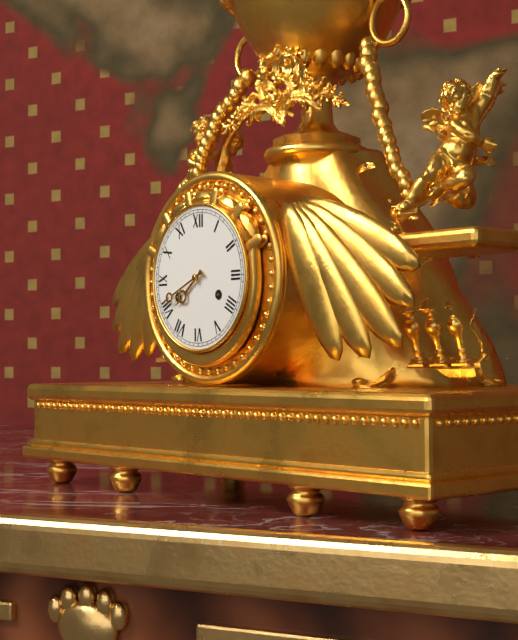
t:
**7:41**
